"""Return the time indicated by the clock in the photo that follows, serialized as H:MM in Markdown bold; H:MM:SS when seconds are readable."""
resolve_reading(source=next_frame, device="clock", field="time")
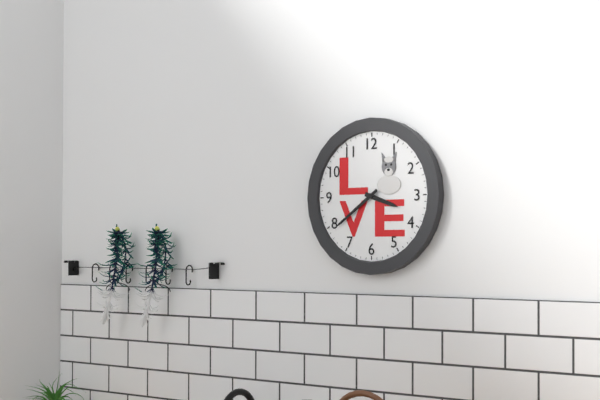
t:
**3:39**
